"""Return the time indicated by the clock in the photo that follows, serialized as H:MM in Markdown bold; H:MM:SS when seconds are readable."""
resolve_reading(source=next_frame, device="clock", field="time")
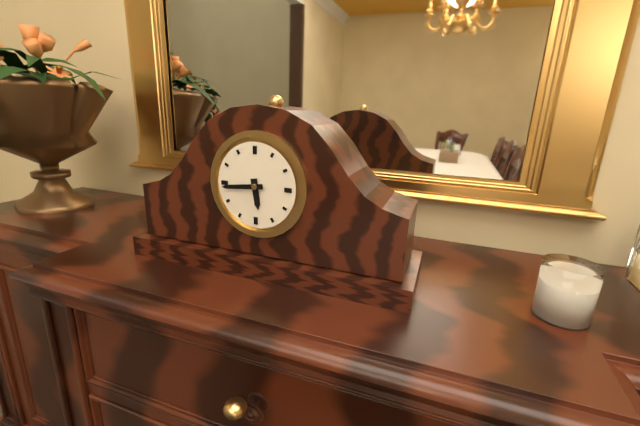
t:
**5:44**
